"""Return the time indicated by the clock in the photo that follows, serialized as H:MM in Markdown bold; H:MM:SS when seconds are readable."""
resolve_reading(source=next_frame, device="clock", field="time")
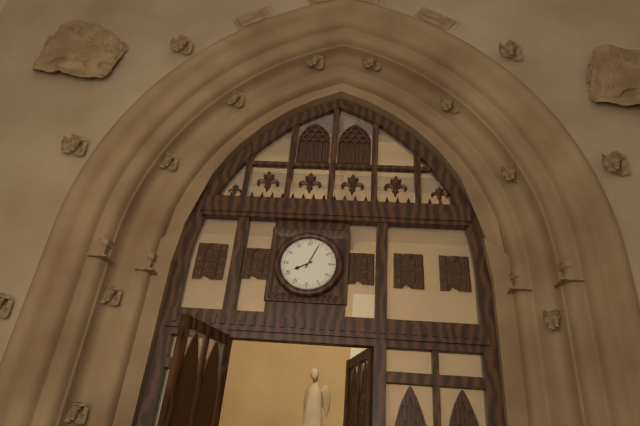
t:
**8:04**
